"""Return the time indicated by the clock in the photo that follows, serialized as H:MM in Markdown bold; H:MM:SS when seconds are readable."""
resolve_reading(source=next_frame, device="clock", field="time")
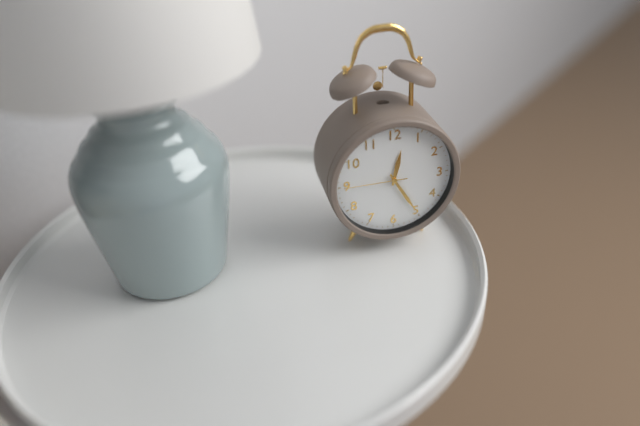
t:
**12:25:45**
